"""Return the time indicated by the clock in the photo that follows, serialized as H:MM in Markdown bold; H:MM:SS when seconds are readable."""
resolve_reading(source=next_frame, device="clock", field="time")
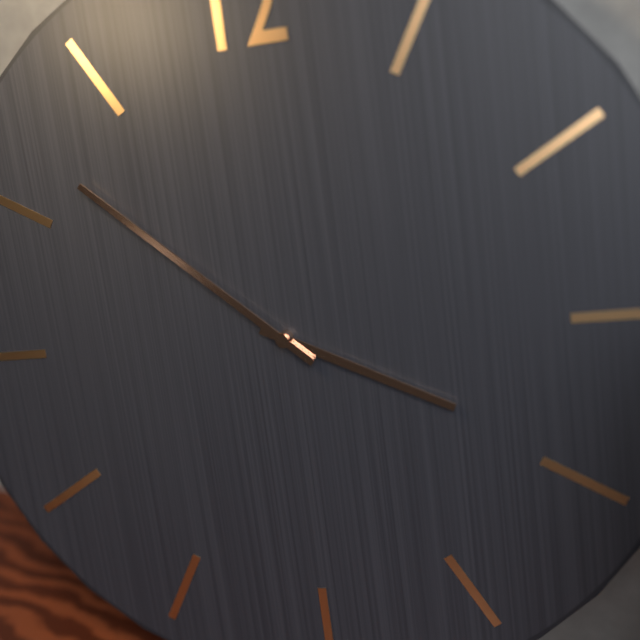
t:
**3:52**
